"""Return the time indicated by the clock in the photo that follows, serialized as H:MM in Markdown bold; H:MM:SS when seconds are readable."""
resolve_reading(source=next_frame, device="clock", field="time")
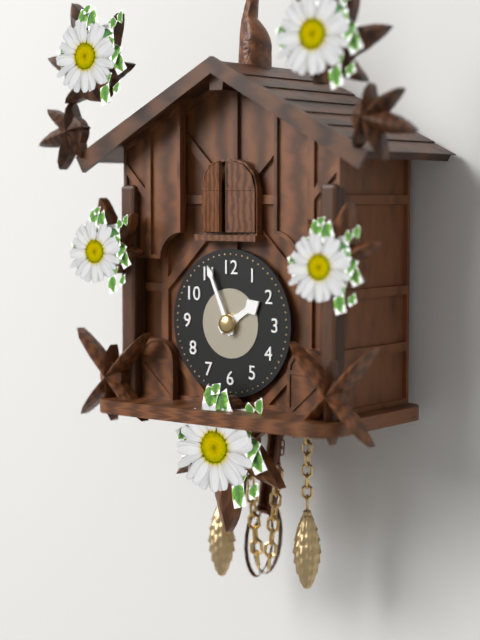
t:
**1:56**
